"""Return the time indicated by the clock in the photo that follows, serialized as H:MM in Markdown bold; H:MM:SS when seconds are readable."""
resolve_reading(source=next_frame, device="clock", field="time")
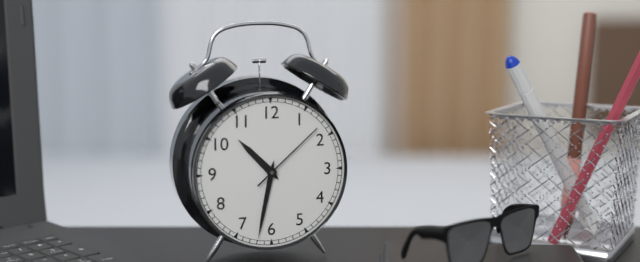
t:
**10:32:08**
